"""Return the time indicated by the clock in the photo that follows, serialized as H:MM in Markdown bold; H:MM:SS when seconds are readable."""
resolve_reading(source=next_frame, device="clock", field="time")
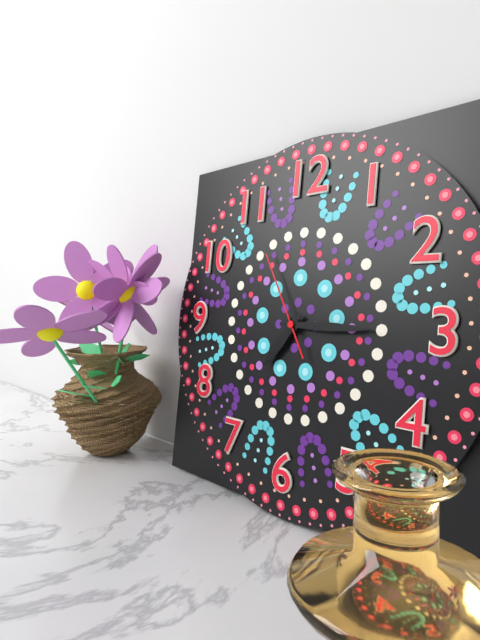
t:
**7:15:55**
